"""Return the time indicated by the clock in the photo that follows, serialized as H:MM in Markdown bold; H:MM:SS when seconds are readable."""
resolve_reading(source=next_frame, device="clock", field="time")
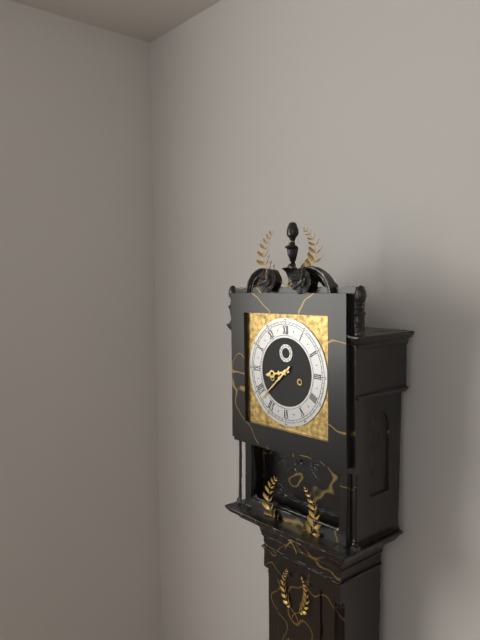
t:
**8:38**
